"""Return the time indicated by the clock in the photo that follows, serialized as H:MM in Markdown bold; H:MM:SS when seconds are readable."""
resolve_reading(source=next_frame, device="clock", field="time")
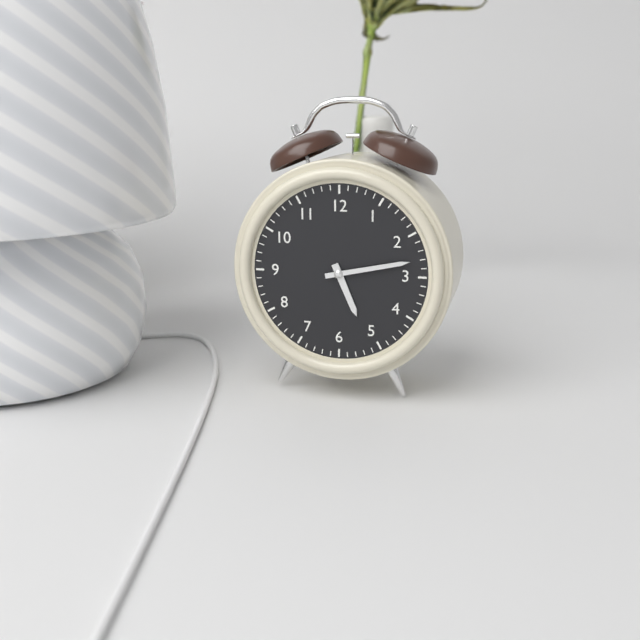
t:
**5:13**
